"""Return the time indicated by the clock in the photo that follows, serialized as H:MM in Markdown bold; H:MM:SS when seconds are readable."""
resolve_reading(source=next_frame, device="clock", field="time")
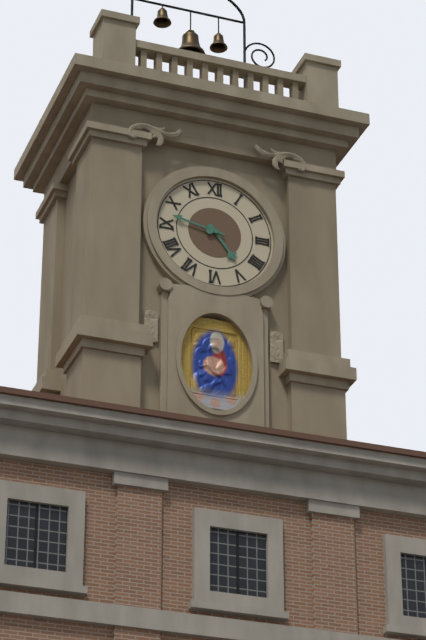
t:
**4:47**
